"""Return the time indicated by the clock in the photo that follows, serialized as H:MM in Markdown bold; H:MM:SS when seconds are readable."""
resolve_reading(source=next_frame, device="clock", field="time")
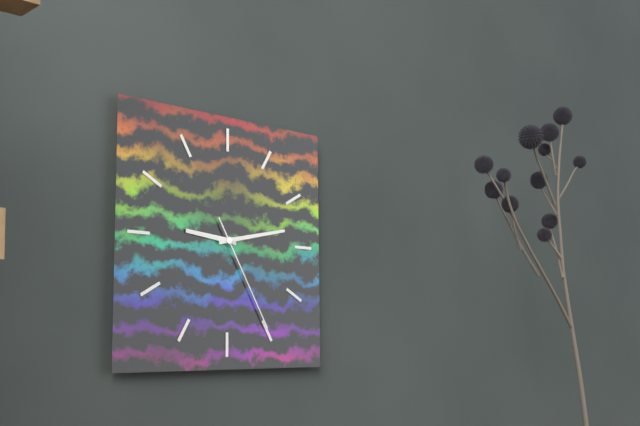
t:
**9:13:25**
